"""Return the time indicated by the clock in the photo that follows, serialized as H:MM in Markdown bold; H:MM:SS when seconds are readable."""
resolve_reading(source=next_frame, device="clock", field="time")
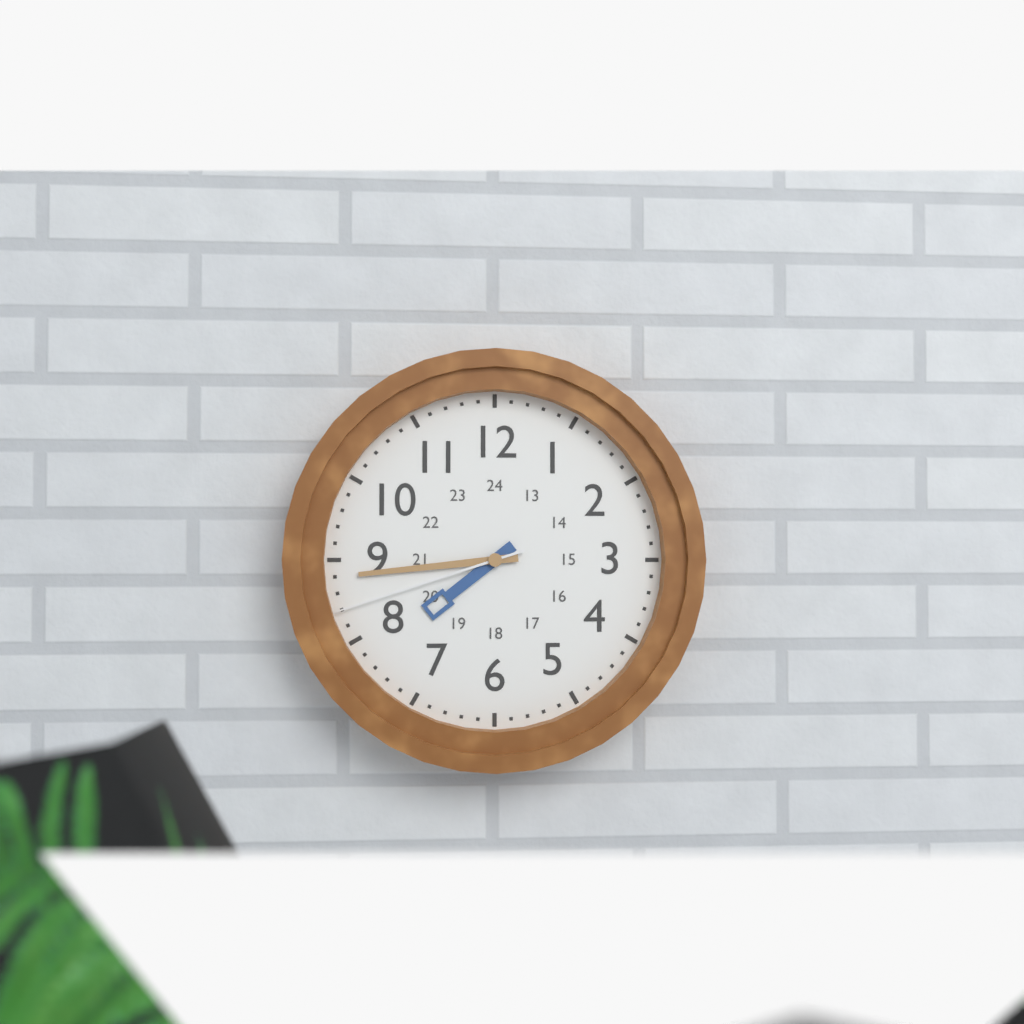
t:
**7:44:42**
